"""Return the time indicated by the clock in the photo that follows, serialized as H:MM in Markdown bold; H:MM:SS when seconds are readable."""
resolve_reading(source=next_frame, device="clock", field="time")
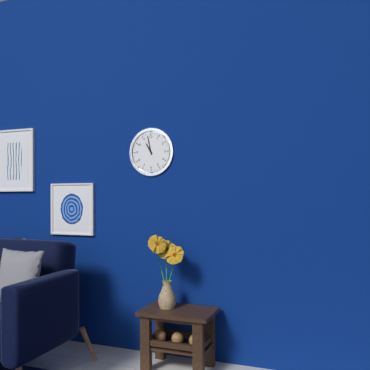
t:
**10:58**
